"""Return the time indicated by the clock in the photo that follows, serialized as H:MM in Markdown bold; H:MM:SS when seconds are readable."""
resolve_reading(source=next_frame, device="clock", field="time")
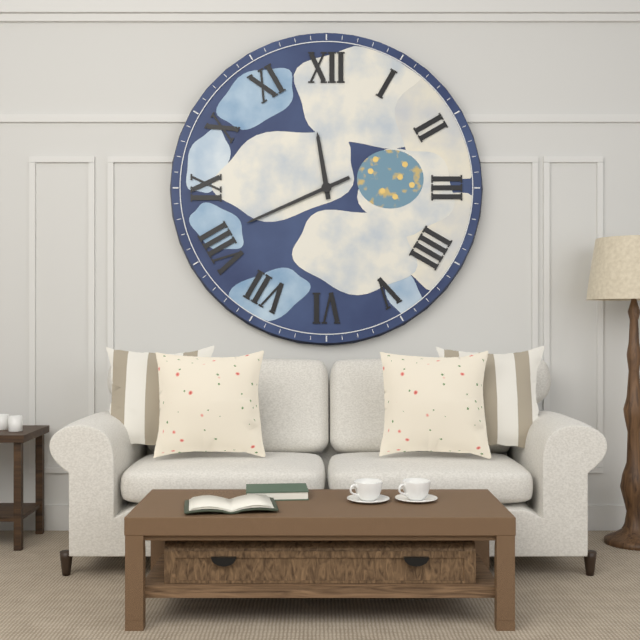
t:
**11:41**
